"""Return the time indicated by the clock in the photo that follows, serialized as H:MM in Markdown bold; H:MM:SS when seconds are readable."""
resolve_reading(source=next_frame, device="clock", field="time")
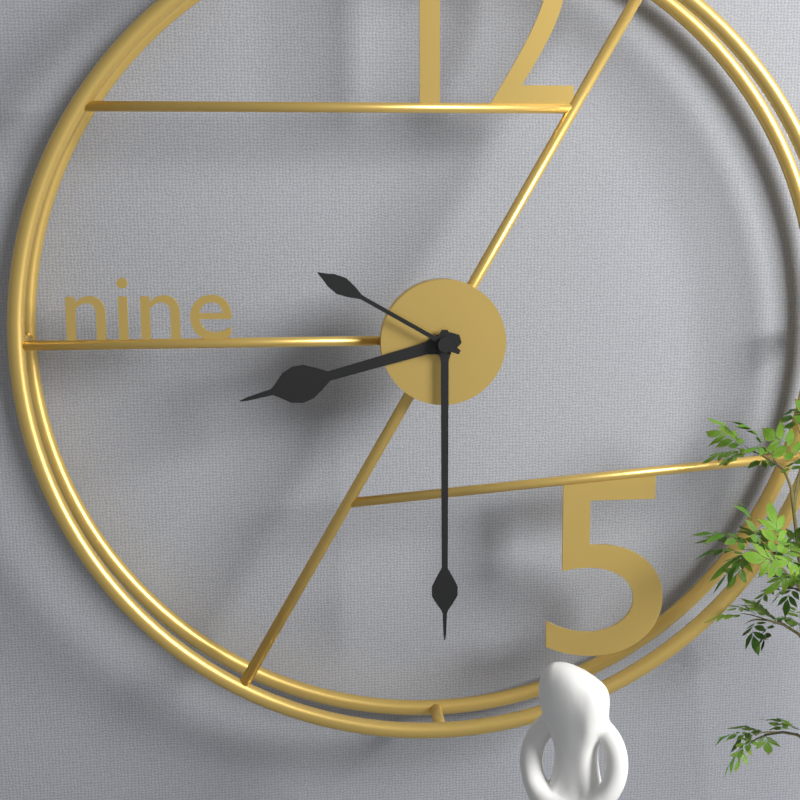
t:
**8:30:50**
